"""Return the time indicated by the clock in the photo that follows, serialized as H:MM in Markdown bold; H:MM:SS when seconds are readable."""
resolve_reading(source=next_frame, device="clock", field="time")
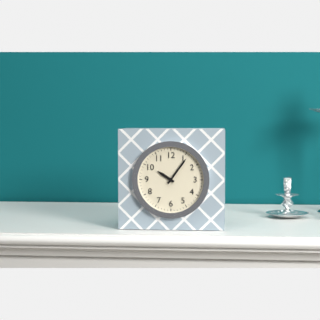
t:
**10:06**
